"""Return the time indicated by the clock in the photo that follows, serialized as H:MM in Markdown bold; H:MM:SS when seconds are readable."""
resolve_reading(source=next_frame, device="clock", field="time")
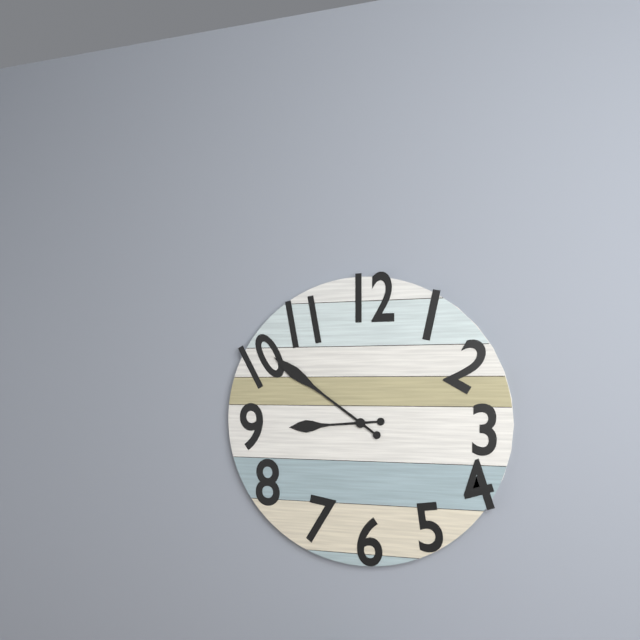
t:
**8:51**
